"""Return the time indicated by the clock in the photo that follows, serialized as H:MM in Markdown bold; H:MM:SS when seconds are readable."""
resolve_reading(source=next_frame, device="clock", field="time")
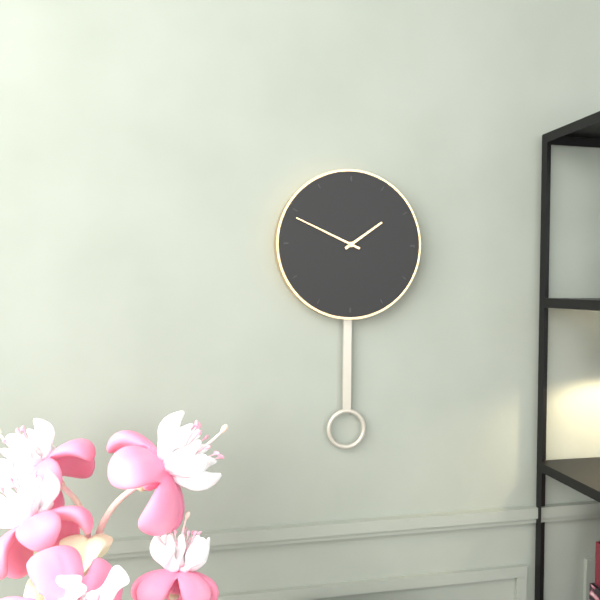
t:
**1:49**
